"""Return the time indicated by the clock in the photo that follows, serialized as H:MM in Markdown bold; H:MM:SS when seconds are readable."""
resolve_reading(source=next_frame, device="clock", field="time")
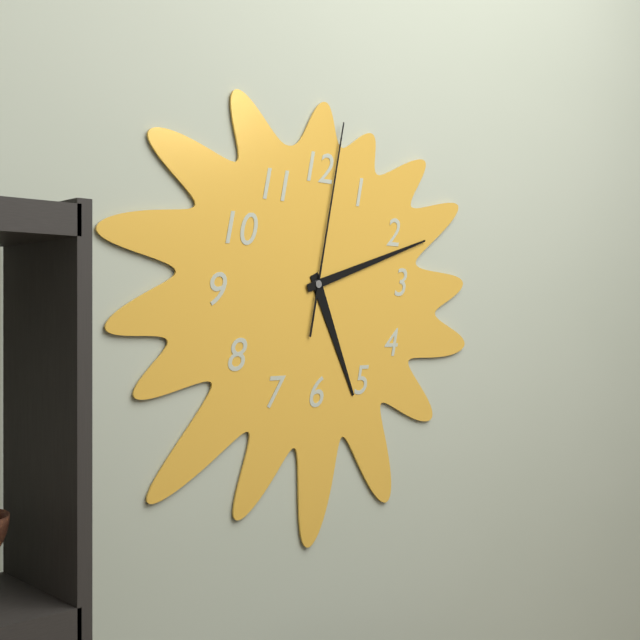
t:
**5:12:02**
